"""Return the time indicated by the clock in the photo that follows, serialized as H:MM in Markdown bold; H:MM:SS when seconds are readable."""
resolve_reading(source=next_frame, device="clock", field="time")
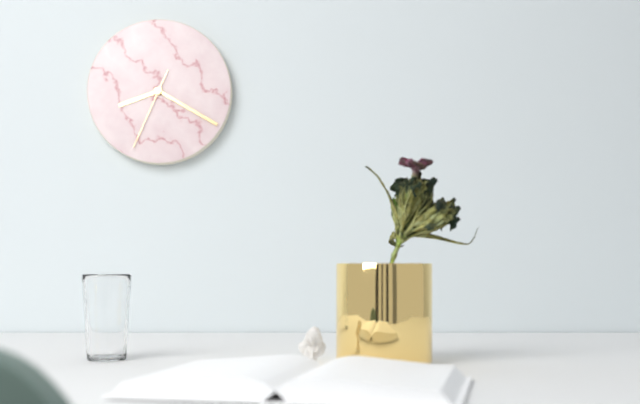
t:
**8:20:34**
